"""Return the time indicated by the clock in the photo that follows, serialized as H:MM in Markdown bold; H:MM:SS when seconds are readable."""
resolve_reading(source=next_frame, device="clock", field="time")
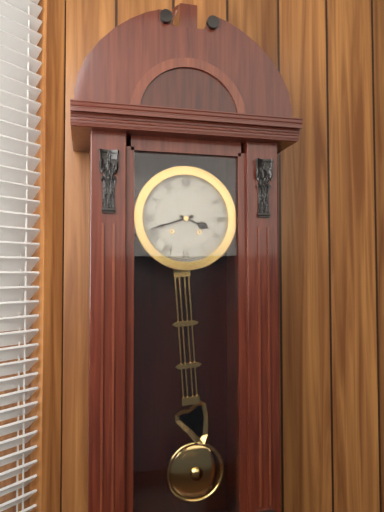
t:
**3:42**
